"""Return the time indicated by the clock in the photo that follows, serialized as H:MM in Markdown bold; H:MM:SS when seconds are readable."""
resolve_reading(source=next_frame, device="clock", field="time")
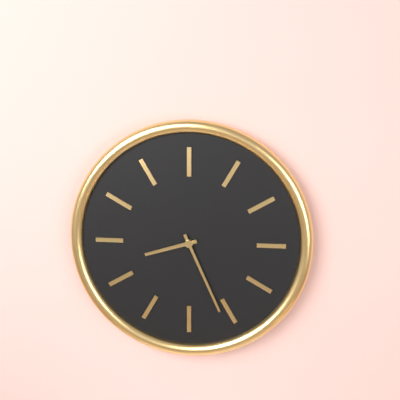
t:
**8:26**
